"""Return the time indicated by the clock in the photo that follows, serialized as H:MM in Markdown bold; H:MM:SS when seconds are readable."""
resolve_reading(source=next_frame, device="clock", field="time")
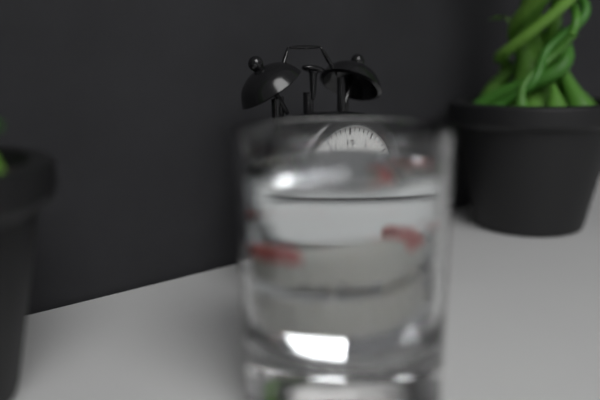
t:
**10:46**
